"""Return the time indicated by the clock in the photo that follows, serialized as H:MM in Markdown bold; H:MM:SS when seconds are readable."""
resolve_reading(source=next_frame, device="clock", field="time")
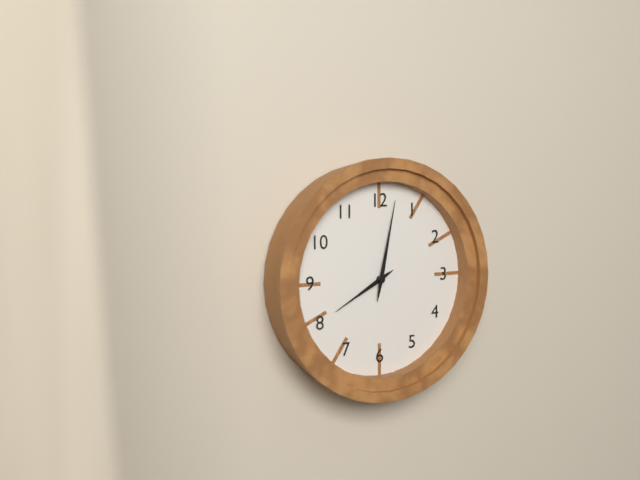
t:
**8:02**
